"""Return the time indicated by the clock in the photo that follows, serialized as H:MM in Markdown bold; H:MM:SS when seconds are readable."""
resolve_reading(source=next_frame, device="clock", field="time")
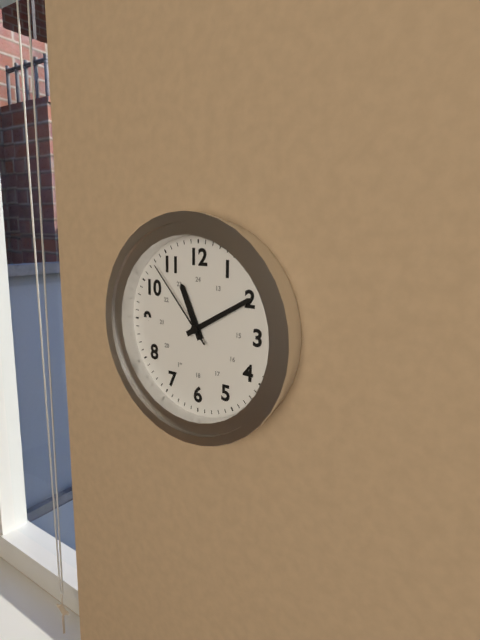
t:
**11:10:53**
